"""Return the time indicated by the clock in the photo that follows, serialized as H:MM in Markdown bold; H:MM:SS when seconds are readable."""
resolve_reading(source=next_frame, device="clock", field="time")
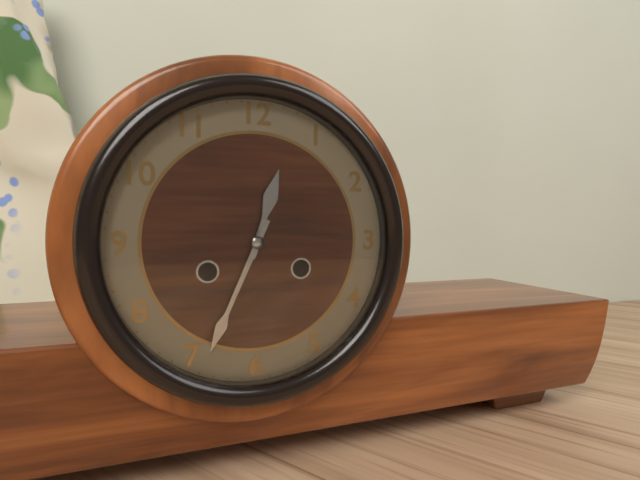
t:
**12:34**
